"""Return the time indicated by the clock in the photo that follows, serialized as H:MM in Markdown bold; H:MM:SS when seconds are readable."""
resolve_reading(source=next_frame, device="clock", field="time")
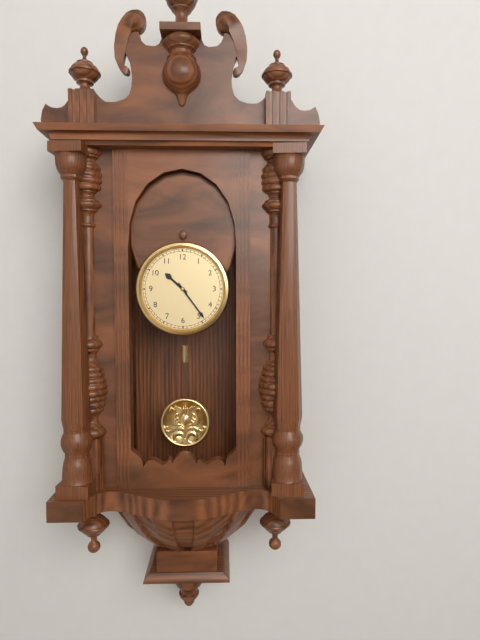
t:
**10:24**
